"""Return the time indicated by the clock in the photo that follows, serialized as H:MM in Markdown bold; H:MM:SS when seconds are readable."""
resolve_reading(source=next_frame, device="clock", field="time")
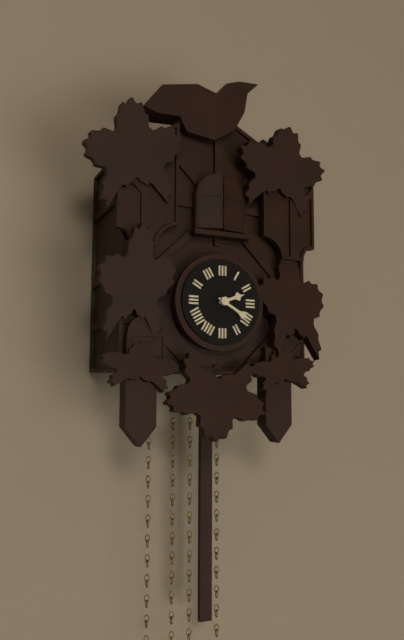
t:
**2:20**
